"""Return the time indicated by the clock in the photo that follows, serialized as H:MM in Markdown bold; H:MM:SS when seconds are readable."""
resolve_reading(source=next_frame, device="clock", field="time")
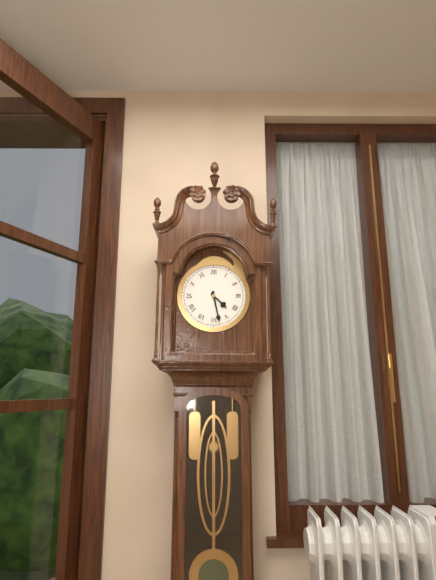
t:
**4:28**
